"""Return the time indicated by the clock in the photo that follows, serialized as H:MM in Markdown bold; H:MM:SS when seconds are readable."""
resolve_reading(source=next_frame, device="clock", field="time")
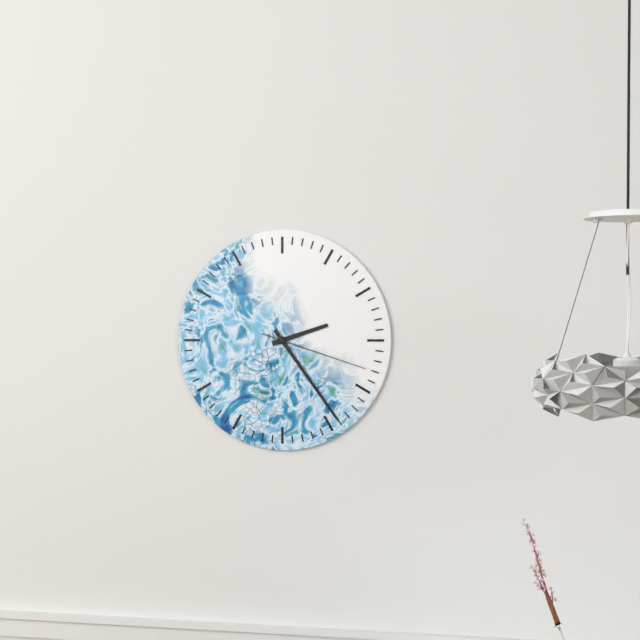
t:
**2:24:18**
